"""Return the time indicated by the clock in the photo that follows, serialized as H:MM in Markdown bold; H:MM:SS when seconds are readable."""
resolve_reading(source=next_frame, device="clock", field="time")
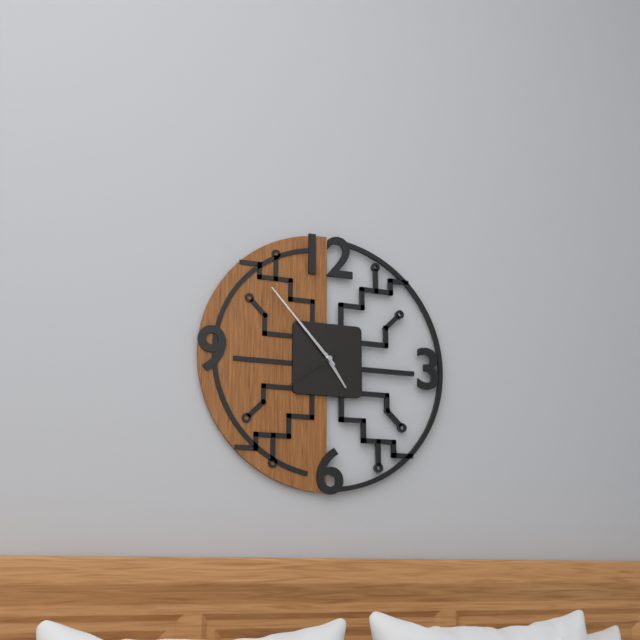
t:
**4:53:39**
